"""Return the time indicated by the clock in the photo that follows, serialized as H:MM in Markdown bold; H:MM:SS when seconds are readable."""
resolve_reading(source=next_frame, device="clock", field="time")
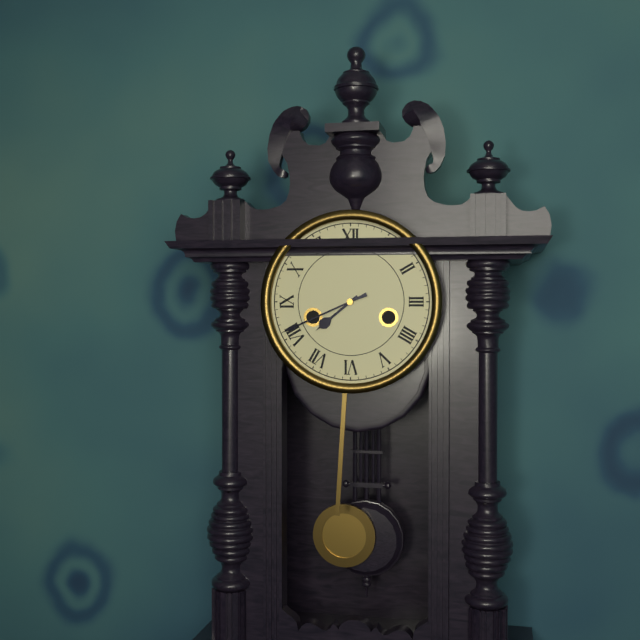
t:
**7:41**
